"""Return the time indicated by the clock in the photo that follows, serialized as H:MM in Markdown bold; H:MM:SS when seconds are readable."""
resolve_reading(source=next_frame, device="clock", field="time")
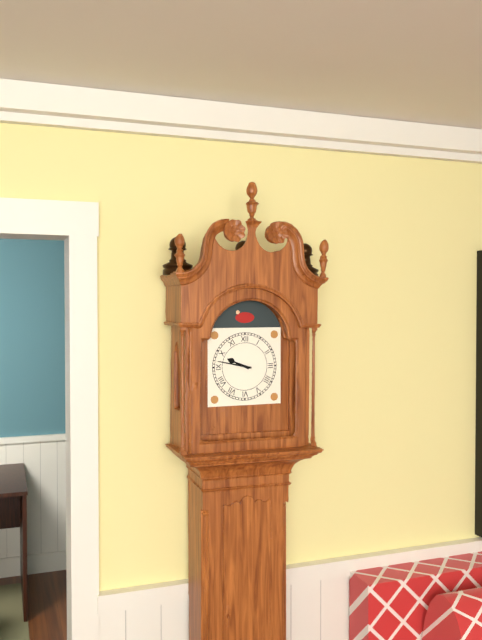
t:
**9:47**
